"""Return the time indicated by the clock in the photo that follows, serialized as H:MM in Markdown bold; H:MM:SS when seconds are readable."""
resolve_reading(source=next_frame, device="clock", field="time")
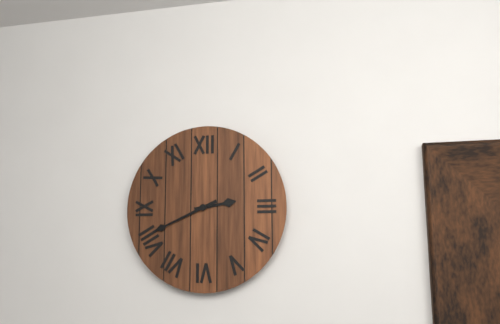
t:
**2:41**
